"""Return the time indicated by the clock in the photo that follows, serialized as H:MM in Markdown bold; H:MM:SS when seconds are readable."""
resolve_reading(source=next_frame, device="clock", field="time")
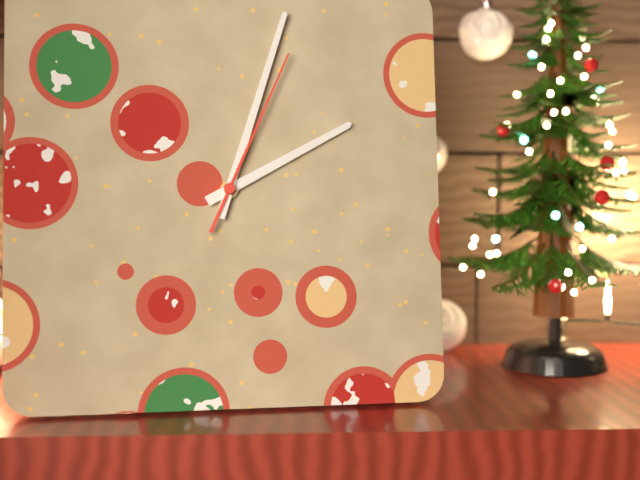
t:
**2:03:04**
